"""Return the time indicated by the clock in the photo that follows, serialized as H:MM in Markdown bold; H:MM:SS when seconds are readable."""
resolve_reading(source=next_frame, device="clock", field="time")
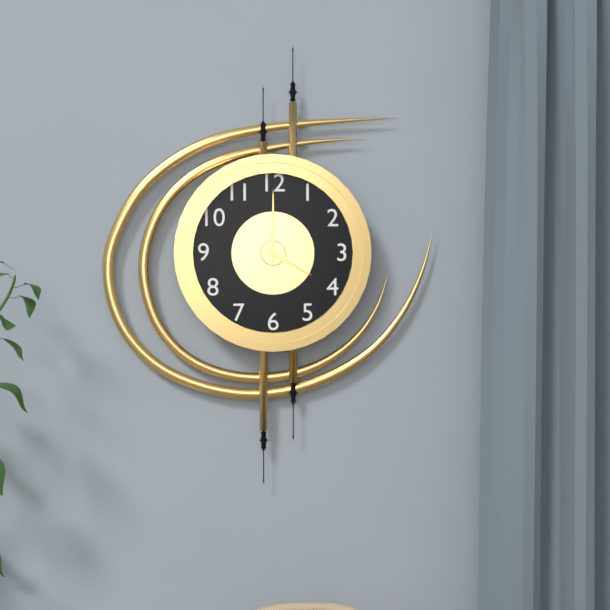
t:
**4:00**
